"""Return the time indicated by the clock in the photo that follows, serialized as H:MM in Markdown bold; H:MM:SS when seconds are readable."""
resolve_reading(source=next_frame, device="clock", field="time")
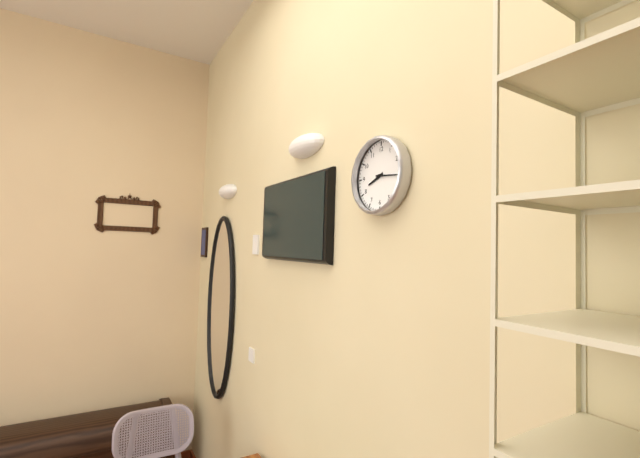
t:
**8:16**
